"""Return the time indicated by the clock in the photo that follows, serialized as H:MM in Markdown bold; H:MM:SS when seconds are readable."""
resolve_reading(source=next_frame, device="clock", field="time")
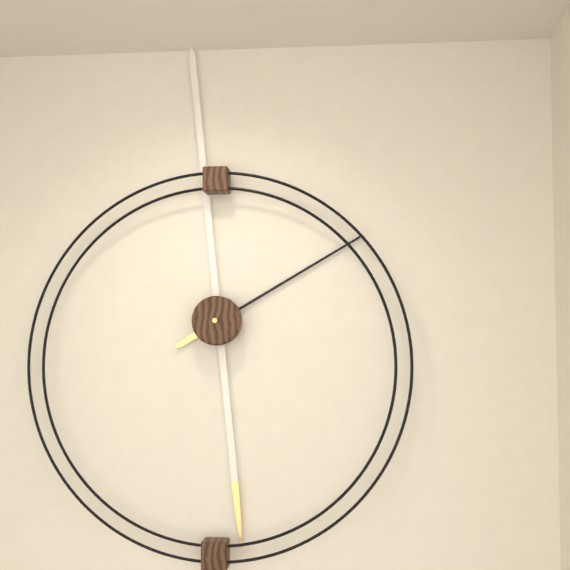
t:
**1:59**
